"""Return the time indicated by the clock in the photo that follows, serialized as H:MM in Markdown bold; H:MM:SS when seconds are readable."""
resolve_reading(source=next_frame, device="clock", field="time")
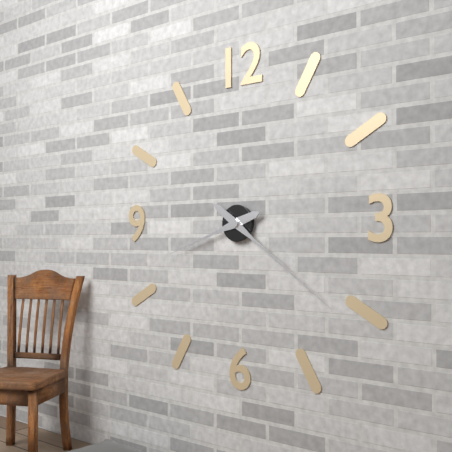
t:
**8:21**
